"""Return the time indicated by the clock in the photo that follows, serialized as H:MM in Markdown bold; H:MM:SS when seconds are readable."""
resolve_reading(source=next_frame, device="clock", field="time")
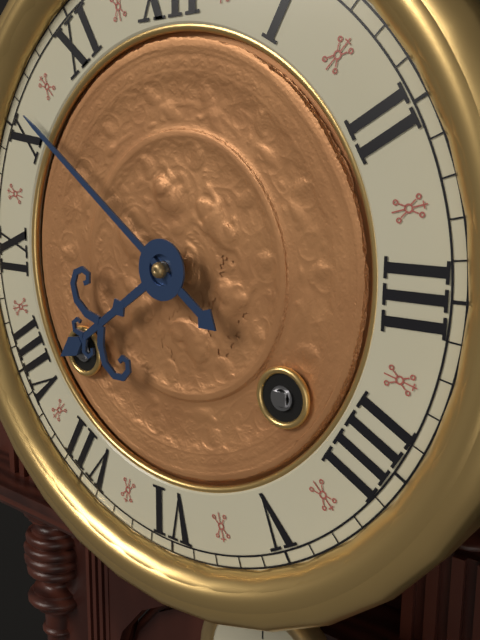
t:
**7:51**
